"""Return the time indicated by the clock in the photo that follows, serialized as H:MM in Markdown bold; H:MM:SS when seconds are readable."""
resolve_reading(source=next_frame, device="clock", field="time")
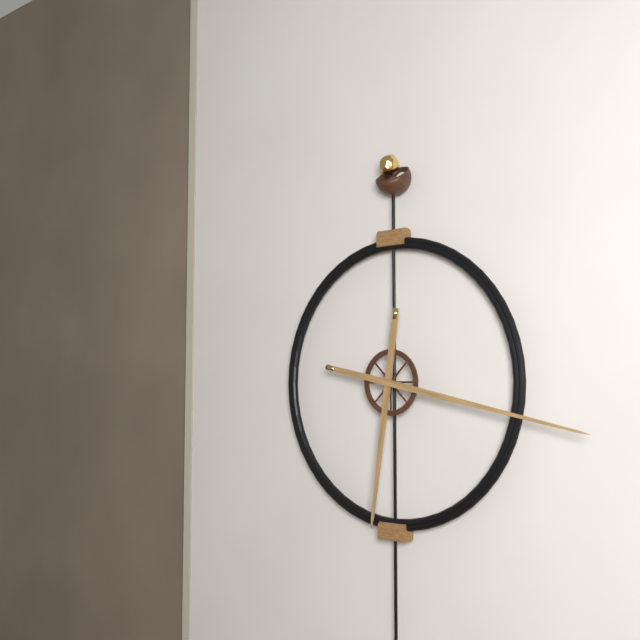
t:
**6:17**
